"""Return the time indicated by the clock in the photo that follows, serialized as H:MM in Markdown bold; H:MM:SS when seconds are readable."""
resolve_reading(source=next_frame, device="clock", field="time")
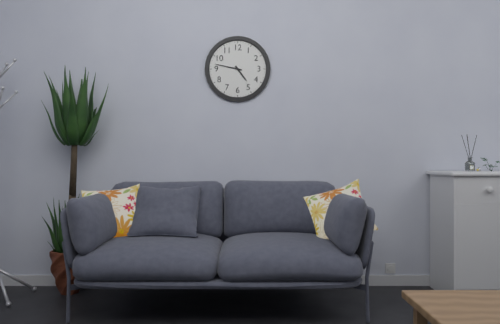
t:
**4:47**
